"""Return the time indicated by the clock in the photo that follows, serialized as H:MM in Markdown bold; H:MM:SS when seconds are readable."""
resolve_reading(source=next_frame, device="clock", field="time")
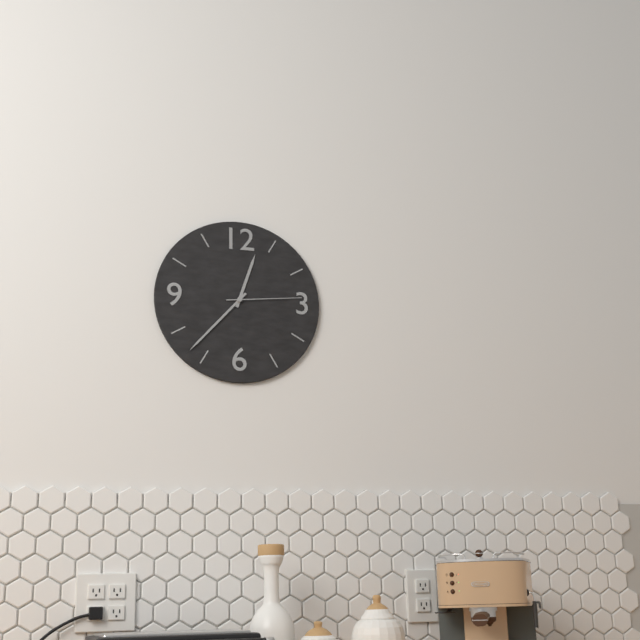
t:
**12:37:14**
